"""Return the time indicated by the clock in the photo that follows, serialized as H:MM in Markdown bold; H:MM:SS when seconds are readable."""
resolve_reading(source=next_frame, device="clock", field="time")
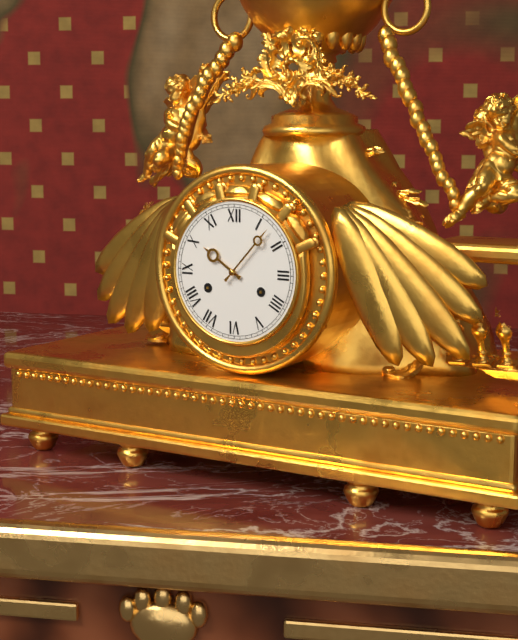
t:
**10:07**
